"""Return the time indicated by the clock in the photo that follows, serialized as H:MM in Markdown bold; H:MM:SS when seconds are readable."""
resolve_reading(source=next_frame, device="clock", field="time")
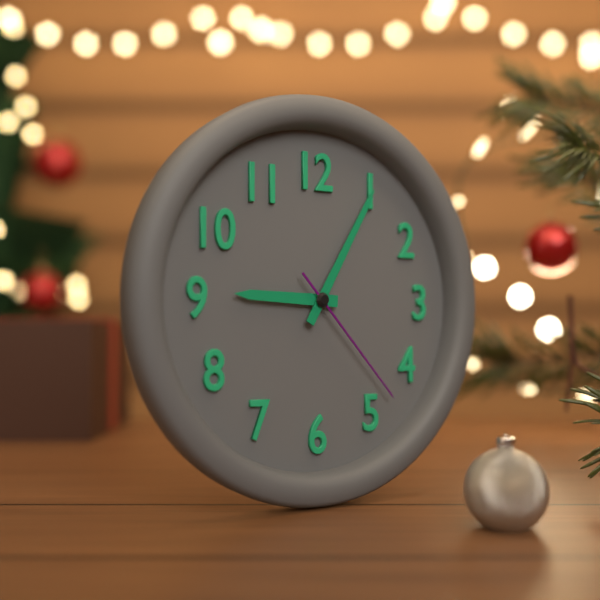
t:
**9:05:23**
